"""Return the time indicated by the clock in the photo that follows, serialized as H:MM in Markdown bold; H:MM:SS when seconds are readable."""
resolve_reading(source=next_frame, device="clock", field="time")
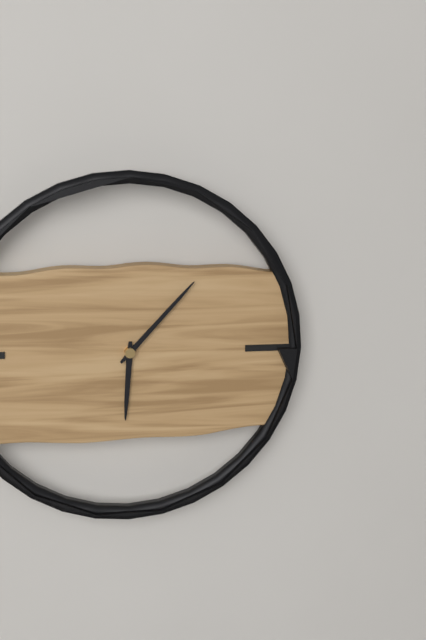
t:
**6:07**
